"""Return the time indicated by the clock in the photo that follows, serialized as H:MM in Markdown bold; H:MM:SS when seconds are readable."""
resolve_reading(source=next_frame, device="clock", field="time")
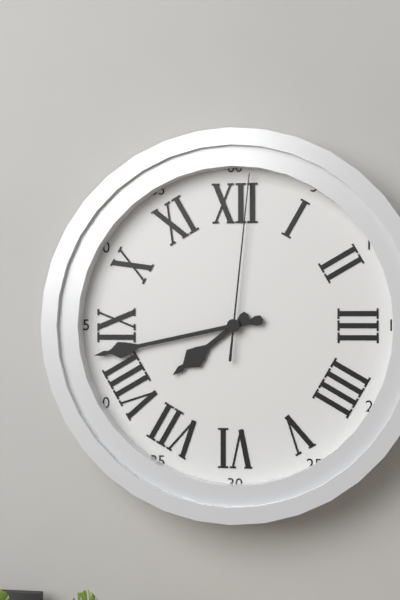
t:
**7:43:01**
